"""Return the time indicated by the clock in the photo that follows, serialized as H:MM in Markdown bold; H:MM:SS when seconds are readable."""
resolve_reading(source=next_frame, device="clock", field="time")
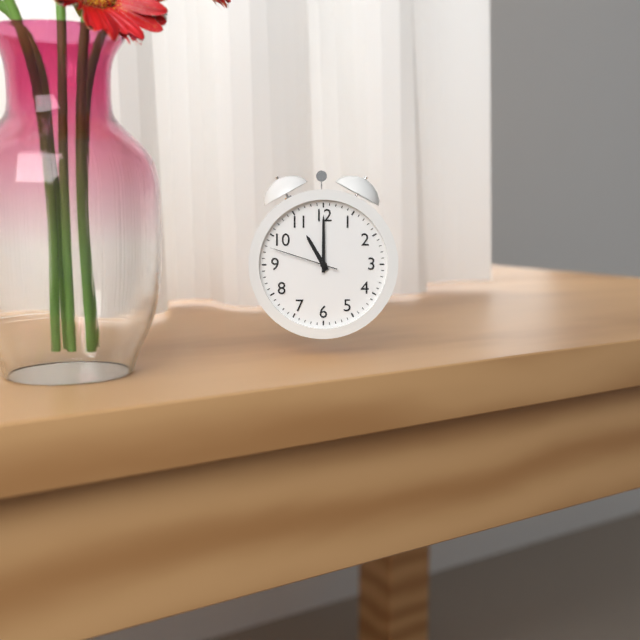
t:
**11:00:48**
